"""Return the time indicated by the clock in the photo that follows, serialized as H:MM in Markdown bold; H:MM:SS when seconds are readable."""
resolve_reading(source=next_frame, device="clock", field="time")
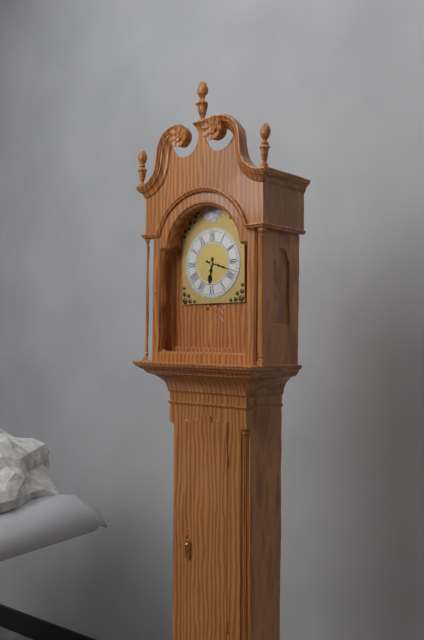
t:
**6:18**
